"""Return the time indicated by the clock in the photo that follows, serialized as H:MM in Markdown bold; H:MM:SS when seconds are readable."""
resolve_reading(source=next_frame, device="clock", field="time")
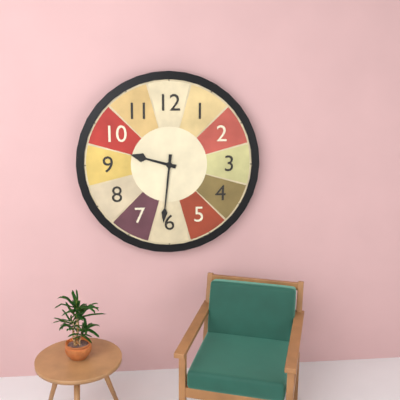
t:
**9:31**
